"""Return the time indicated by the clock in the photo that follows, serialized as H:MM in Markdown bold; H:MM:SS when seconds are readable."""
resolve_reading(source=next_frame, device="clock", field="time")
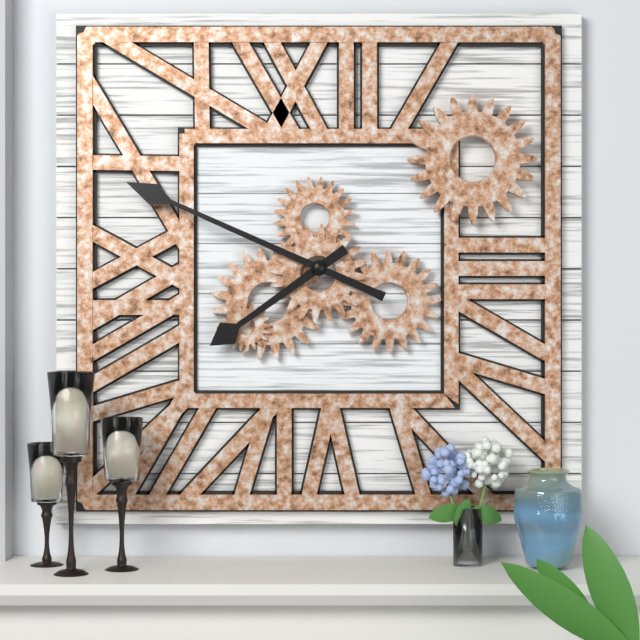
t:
**7:49**
